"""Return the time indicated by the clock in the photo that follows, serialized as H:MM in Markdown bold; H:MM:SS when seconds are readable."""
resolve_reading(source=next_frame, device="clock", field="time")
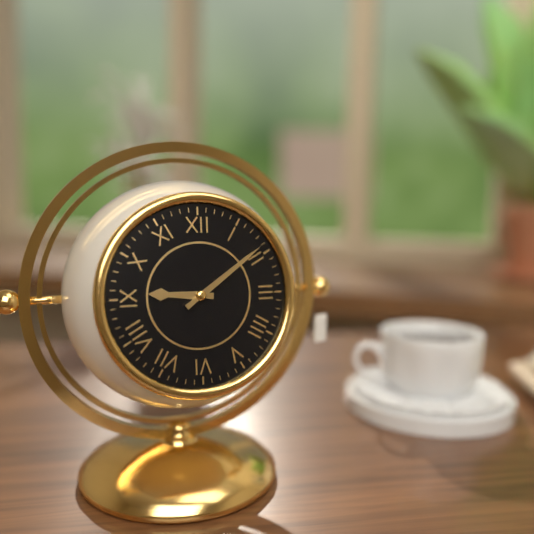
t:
**9:09**
